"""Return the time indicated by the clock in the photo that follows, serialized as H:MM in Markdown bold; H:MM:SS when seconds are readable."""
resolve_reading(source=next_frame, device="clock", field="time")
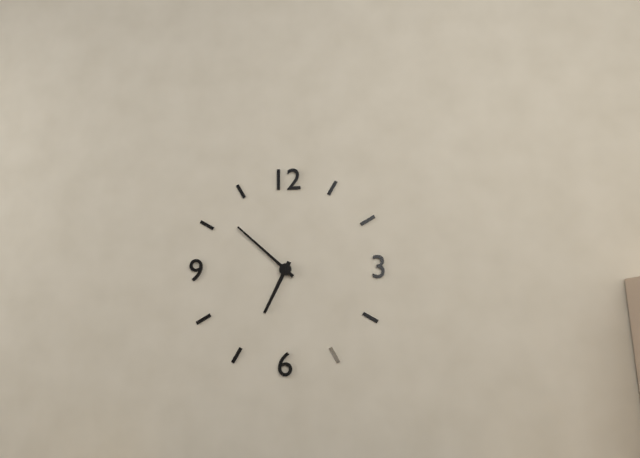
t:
**6:52**
